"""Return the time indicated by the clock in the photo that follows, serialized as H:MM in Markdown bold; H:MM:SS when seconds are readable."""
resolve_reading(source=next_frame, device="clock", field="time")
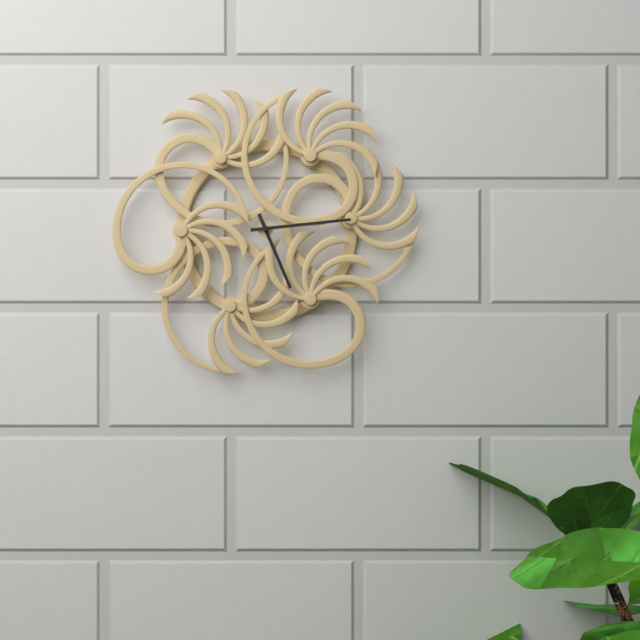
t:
**5:14**
